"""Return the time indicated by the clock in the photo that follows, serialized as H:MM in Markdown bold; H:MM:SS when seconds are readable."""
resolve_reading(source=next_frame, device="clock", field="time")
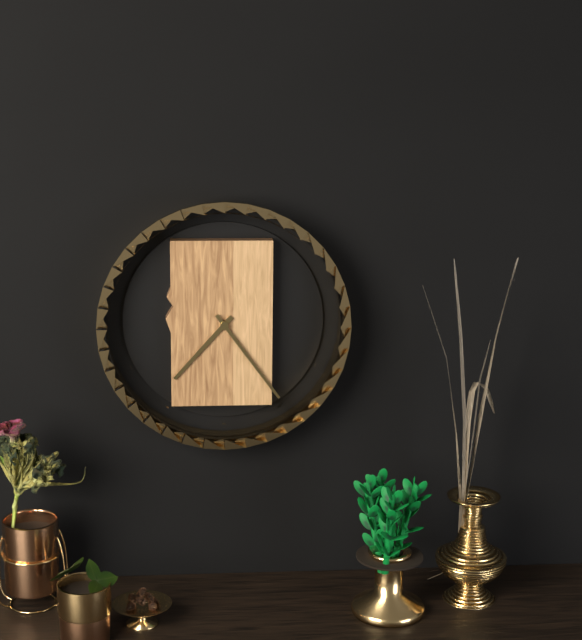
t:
**7:24**
